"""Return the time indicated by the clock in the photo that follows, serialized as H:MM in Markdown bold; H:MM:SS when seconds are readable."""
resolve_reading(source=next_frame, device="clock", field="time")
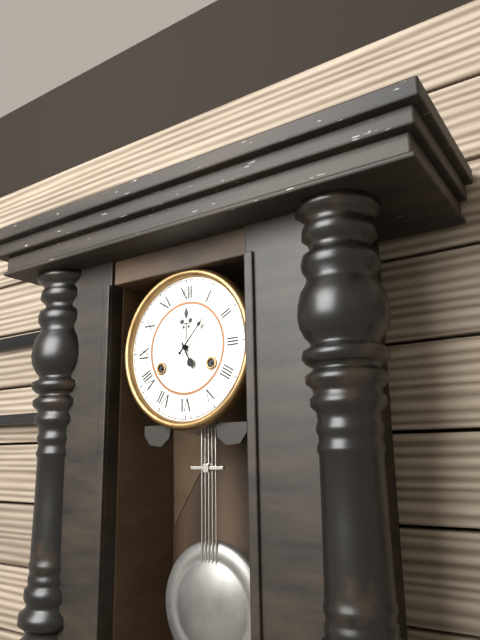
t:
**5:07**
